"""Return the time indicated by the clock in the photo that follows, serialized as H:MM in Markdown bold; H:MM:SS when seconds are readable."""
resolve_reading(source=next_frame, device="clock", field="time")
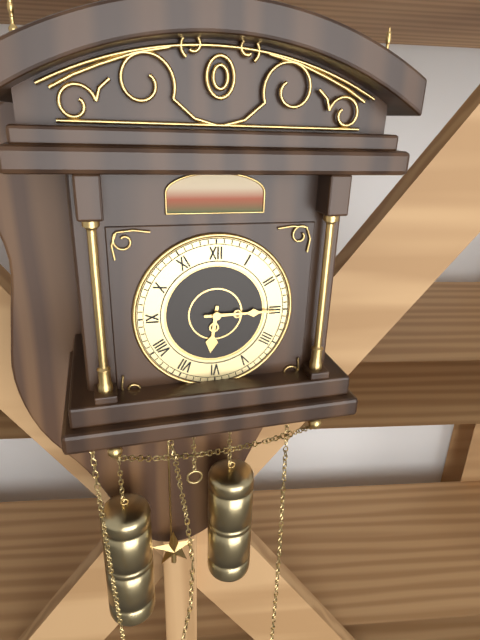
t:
**6:15**
